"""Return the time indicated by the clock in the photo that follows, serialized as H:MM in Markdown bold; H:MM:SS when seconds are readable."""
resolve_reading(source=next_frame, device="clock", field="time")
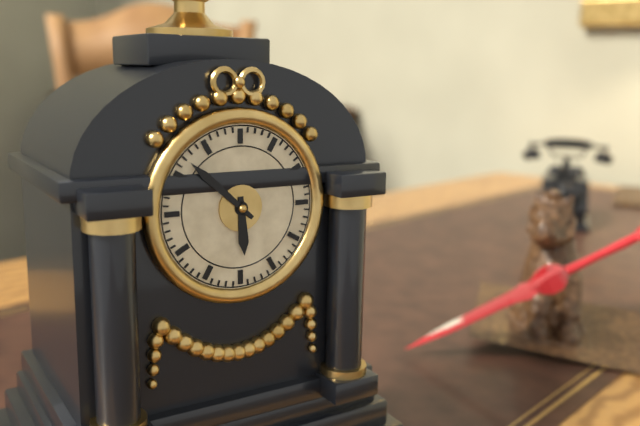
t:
**5:52**
